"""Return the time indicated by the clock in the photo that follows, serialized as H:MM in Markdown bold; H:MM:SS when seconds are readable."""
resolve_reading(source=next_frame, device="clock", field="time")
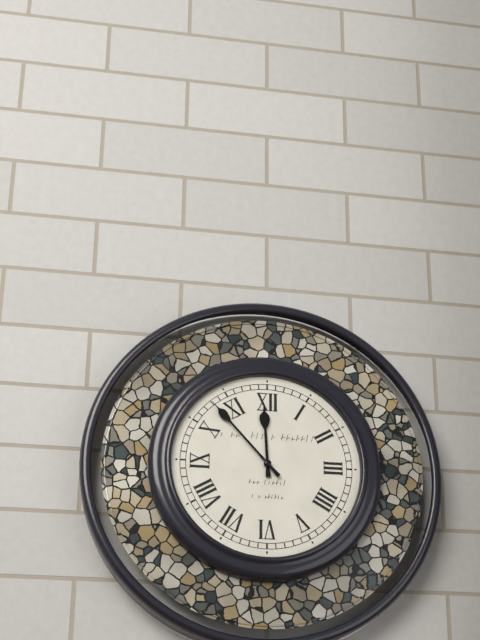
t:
**11:53**
